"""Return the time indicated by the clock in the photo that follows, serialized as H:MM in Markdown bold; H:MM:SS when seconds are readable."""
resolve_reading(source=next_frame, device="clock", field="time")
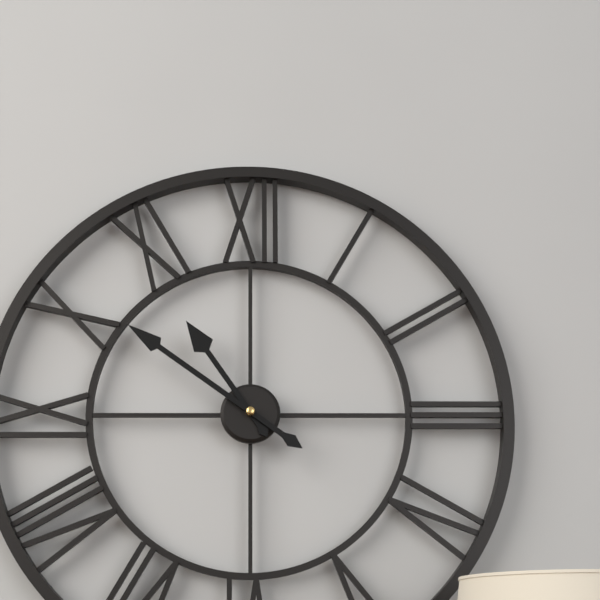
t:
**10:51**
